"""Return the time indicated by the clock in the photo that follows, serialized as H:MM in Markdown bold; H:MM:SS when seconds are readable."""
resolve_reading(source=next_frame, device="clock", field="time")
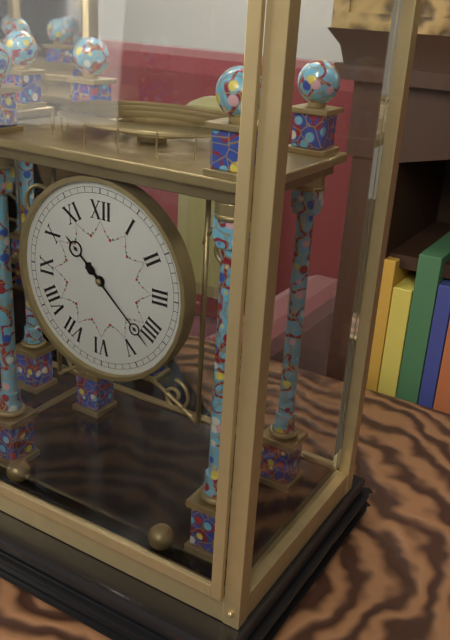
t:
**10:22**
